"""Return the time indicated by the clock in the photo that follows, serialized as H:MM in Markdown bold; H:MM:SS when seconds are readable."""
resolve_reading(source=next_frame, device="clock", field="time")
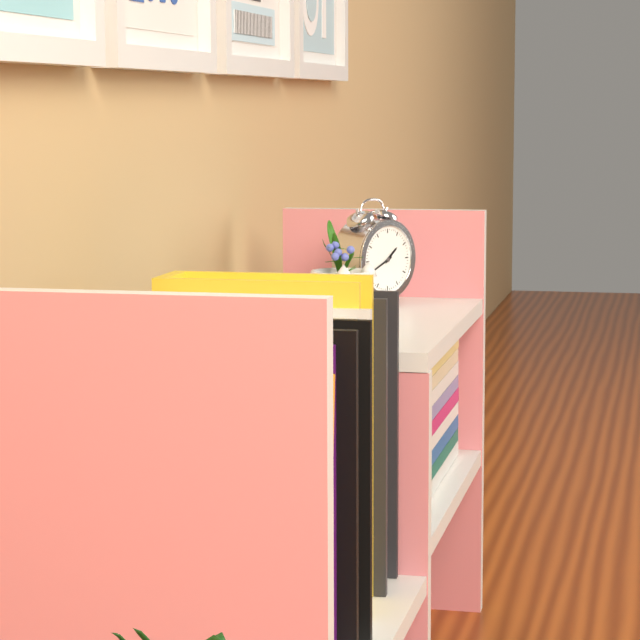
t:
**1:41**
